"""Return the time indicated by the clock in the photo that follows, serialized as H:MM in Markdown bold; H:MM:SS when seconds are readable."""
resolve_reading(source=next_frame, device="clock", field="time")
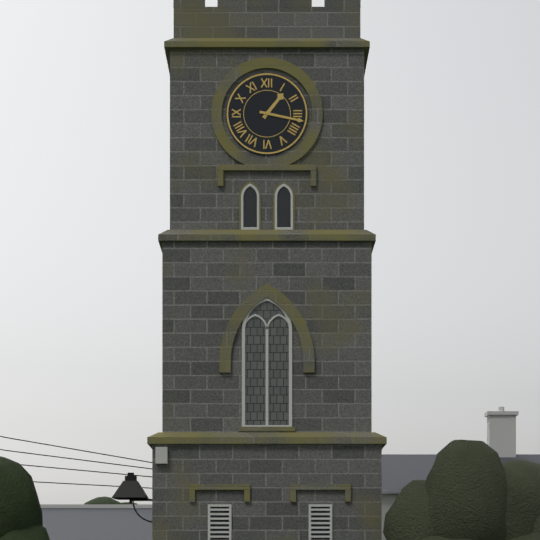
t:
**1:17**
